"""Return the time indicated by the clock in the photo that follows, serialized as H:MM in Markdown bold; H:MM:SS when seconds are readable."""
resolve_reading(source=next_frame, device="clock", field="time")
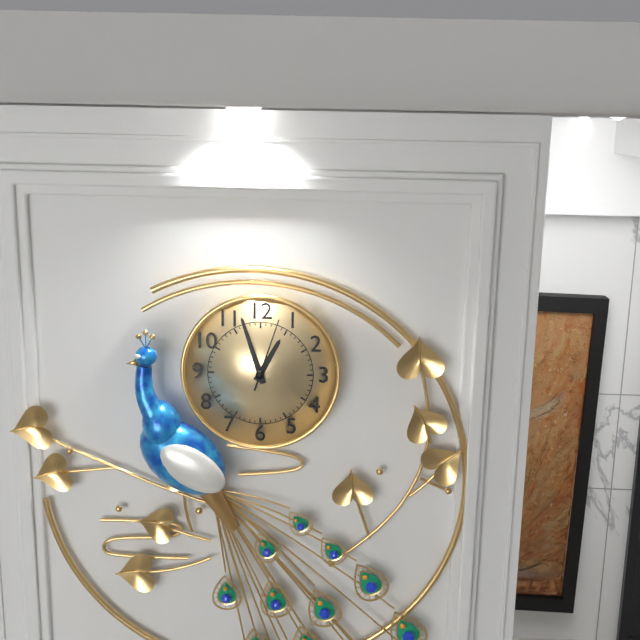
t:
**12:57:03**
